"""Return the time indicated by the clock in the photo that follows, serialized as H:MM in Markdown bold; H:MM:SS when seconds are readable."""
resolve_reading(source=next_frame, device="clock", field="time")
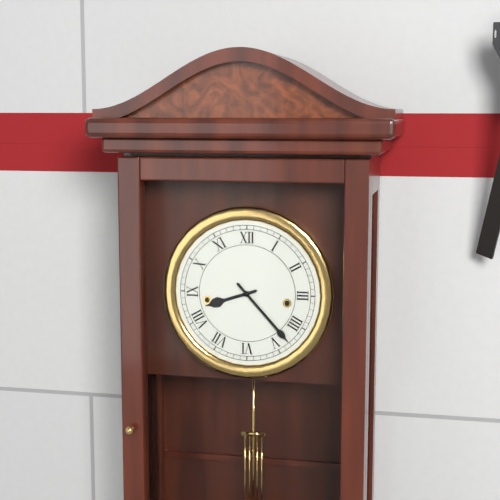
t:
**8:23**
